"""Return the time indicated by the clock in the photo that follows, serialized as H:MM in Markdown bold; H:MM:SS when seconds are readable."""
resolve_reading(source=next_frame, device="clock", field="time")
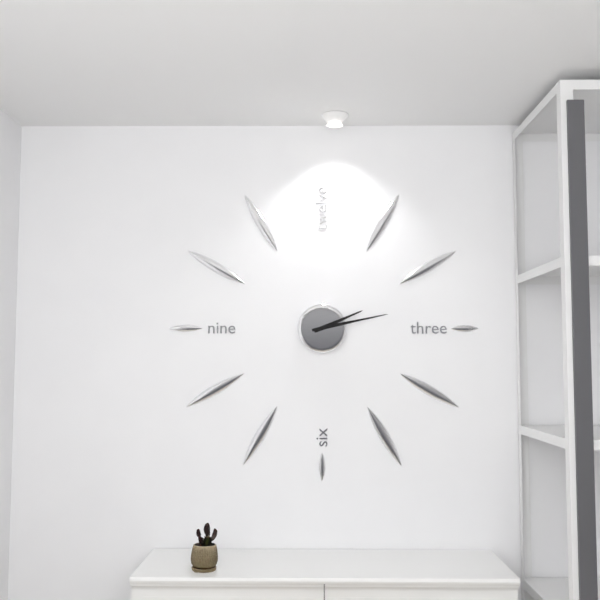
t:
**2:13**
